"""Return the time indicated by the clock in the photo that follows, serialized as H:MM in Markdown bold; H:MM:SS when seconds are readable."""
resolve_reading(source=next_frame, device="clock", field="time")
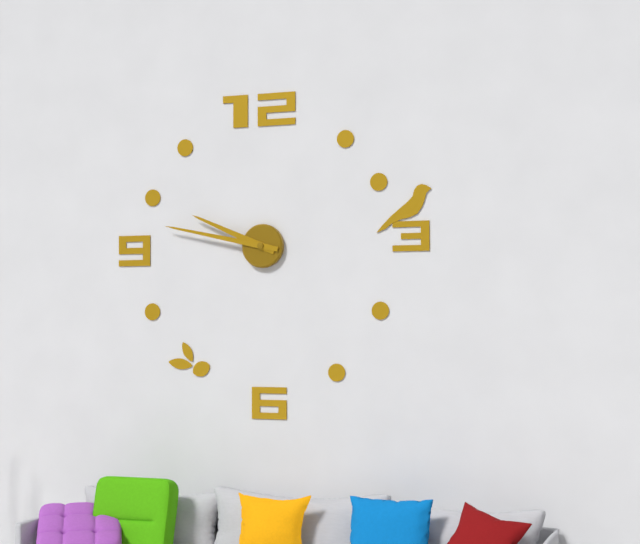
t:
**9:47**
